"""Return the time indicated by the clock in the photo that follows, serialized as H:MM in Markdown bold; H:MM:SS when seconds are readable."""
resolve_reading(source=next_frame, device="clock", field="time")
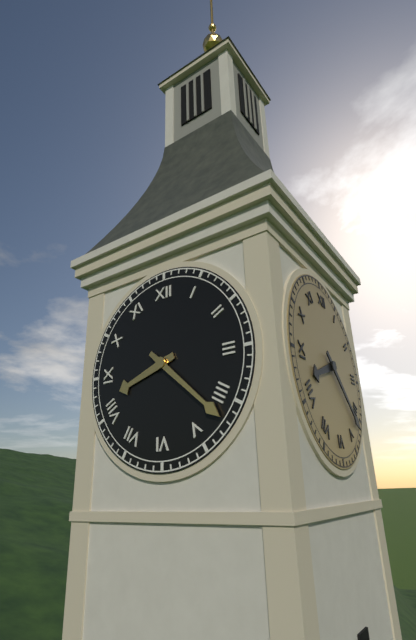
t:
**8:22**
